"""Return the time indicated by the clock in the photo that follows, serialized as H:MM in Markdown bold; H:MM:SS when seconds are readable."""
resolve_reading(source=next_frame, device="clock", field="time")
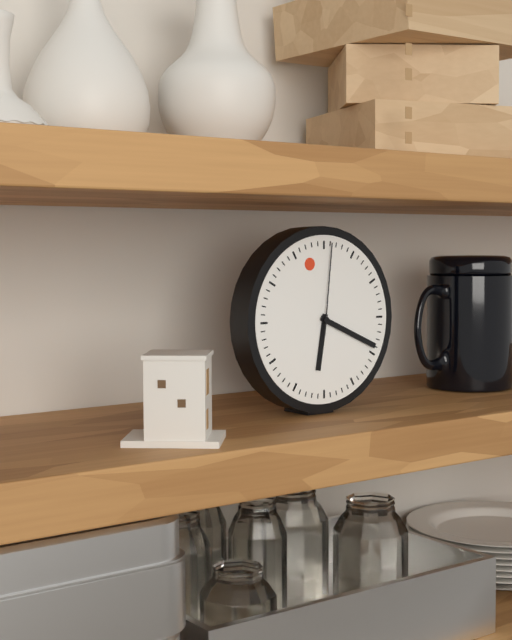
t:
**6:19:01**
